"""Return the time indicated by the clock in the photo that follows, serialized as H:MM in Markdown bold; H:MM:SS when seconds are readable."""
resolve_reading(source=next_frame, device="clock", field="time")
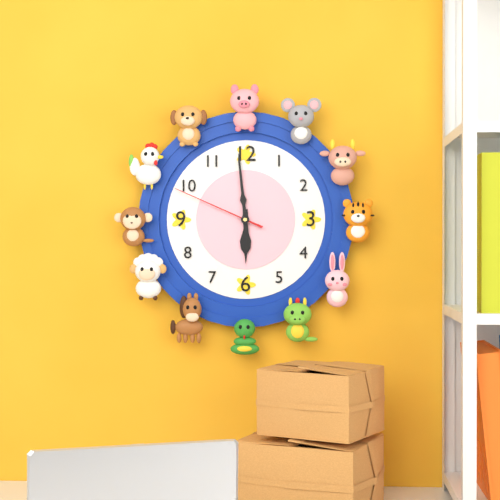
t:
**5:59:49**
